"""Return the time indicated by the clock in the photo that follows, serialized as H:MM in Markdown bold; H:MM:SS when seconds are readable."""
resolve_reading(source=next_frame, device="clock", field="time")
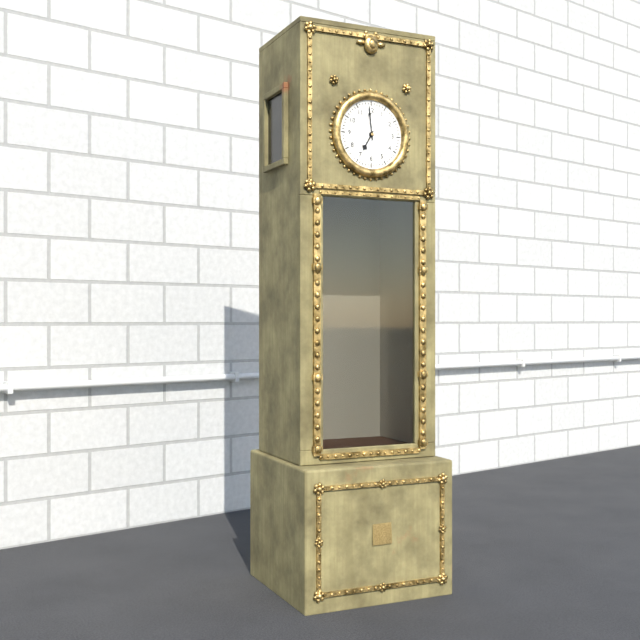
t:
**6:59**
